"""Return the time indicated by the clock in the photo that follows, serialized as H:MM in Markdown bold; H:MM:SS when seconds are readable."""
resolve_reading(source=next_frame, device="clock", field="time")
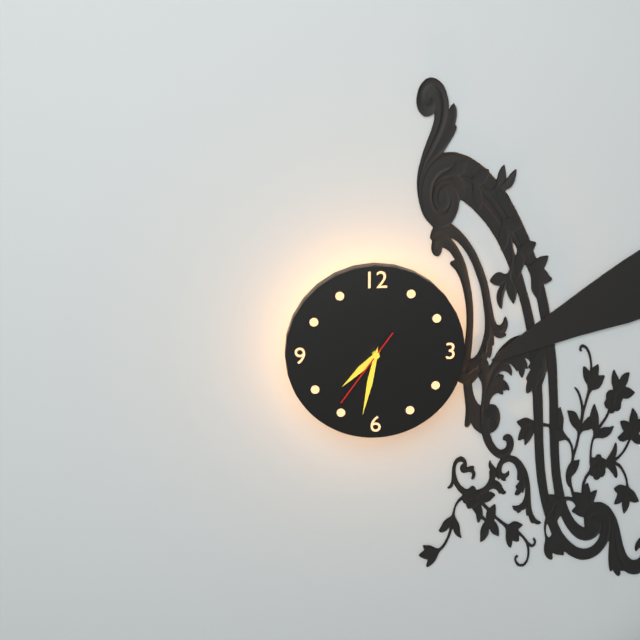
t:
**7:32:36**
